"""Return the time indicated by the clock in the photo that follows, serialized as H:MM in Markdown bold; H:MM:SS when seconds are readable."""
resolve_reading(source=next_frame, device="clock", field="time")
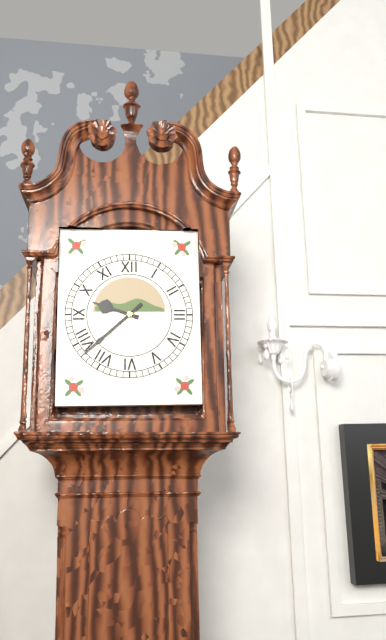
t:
**9:38**
